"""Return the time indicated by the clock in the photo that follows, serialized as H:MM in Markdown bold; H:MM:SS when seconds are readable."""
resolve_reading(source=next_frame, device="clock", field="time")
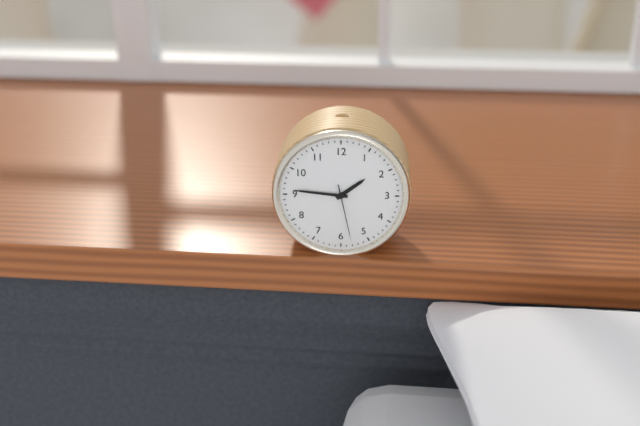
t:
**1:46:28**
